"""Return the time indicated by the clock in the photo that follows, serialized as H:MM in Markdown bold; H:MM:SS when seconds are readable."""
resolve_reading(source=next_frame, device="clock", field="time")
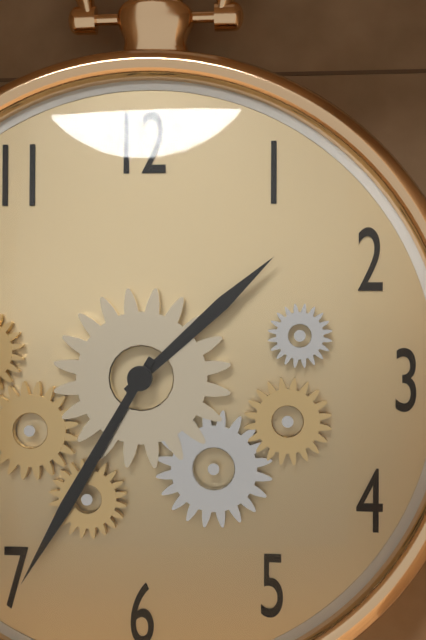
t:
**1:35**
